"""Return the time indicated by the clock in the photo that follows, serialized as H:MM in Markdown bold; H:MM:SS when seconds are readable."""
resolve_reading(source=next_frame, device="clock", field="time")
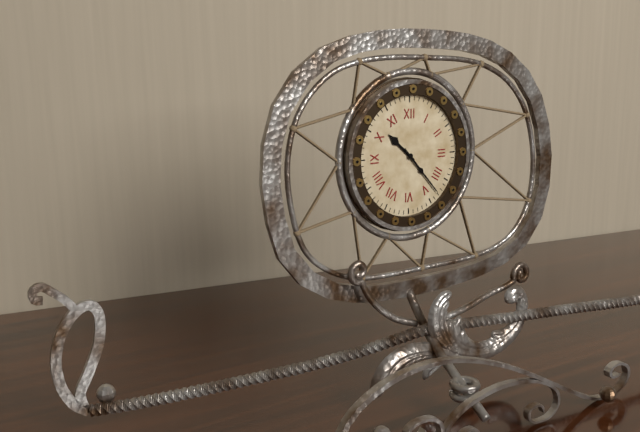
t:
**10:23**
